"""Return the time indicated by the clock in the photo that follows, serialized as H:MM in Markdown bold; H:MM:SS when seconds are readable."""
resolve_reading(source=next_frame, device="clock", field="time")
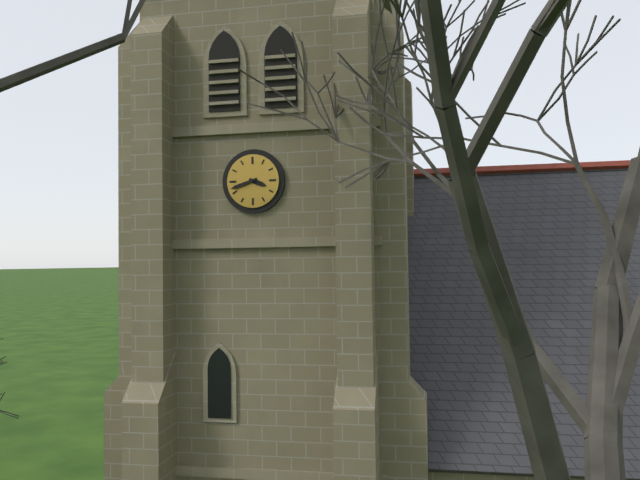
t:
**3:42**
